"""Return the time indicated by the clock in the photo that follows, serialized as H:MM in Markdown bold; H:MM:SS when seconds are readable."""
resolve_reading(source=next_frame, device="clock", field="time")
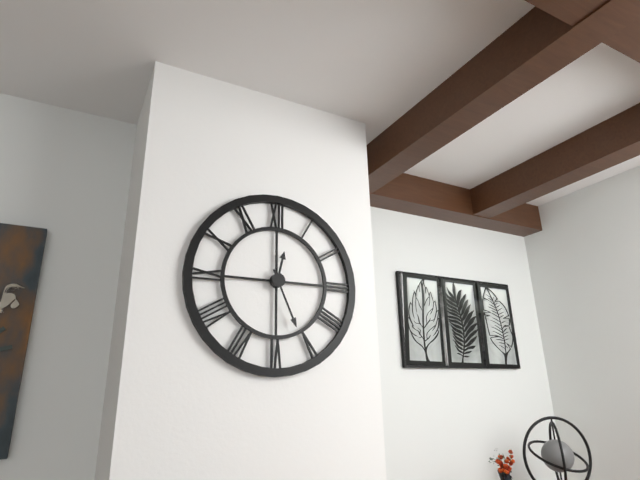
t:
**12:26**
